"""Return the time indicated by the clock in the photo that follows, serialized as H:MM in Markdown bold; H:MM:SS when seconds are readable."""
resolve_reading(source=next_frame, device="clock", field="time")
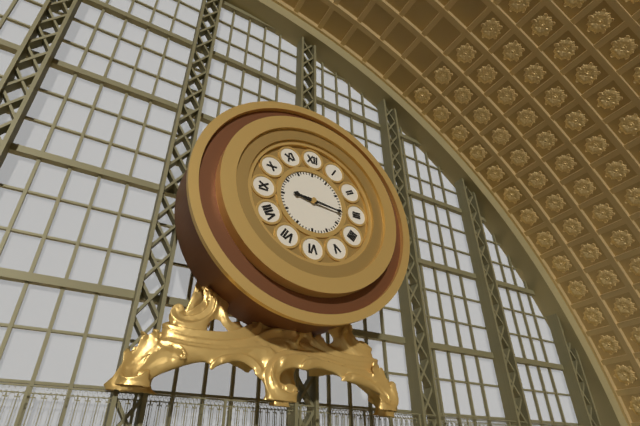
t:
**9:16**
